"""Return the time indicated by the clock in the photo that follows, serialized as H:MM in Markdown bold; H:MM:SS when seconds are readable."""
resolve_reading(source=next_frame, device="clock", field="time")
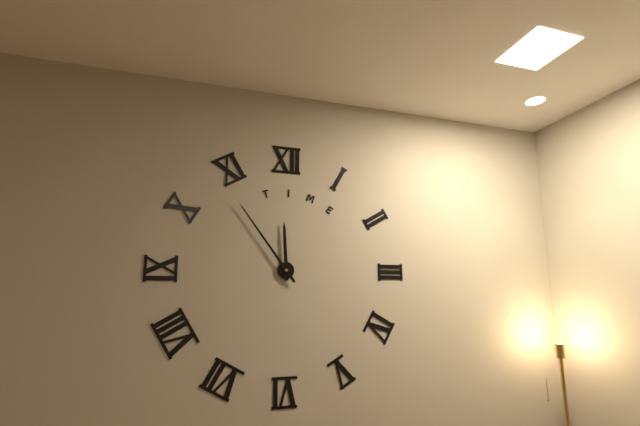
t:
**11:54**
